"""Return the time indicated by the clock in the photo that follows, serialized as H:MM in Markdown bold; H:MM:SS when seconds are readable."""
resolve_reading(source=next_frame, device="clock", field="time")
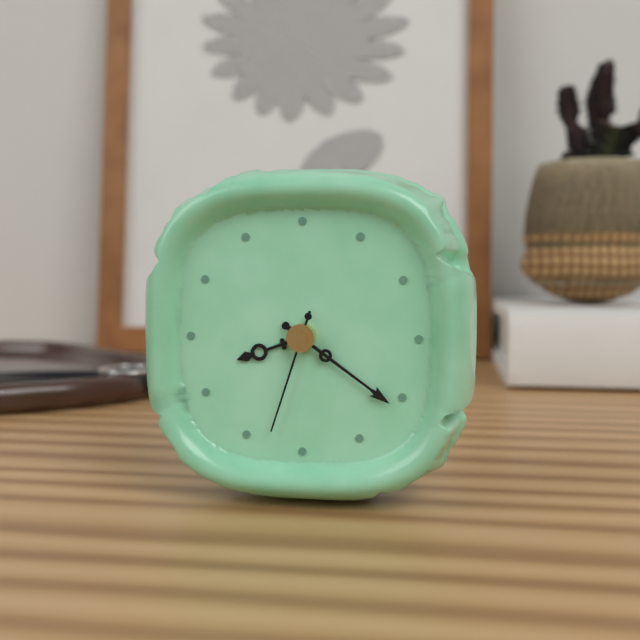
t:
**8:21:33**
